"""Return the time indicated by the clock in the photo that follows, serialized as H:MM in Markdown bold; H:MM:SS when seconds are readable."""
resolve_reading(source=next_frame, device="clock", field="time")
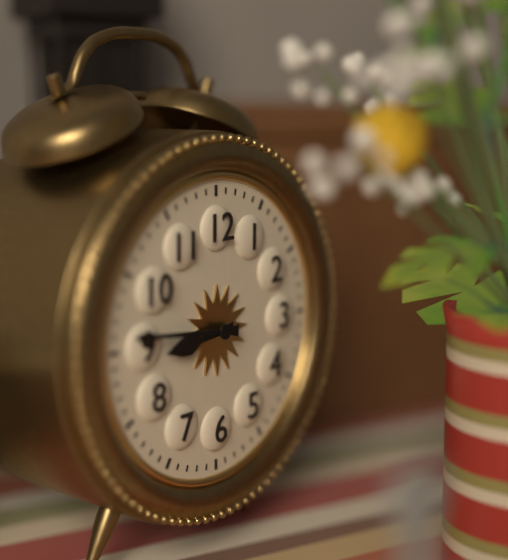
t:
**8:46**
